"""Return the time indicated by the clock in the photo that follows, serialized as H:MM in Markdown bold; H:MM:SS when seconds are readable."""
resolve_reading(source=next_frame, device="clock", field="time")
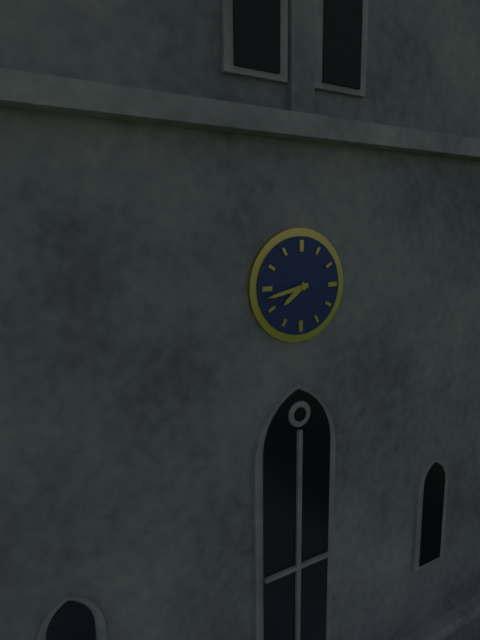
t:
**7:43**
